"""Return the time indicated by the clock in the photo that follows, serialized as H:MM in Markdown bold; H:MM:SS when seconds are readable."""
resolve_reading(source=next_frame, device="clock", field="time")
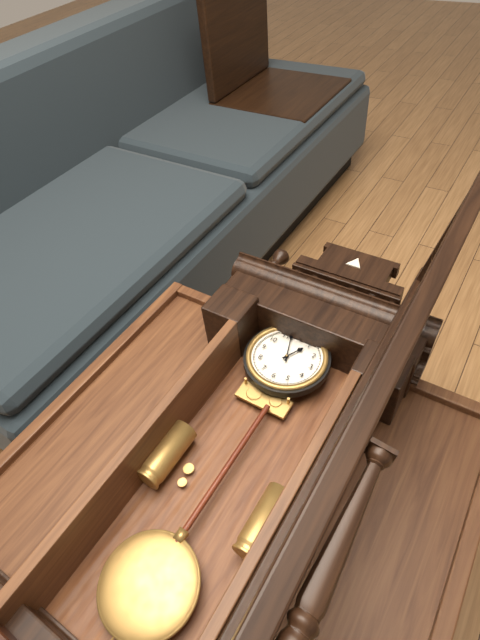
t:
**12:57**
